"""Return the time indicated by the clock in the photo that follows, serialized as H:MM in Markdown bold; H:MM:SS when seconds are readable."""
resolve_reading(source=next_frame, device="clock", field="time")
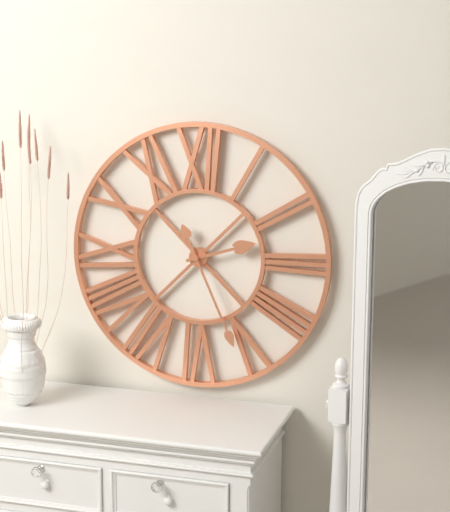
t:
**2:26**
